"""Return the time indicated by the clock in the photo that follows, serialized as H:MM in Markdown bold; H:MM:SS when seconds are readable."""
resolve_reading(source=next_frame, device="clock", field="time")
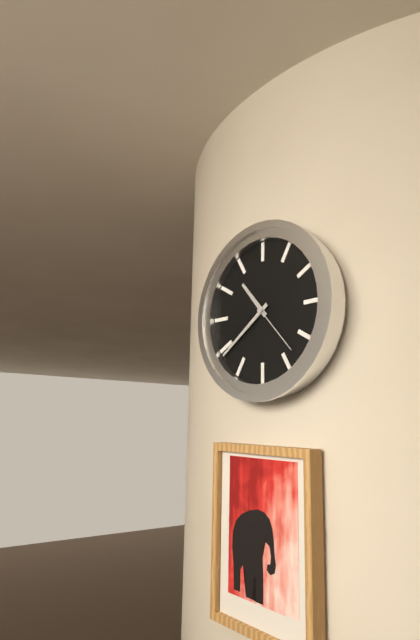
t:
**10:39:23**
